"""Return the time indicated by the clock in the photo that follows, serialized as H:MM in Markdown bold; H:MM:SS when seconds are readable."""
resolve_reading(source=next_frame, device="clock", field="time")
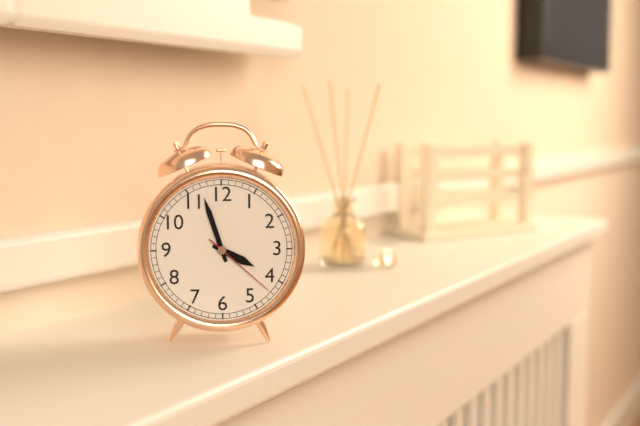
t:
**3:57:22**
